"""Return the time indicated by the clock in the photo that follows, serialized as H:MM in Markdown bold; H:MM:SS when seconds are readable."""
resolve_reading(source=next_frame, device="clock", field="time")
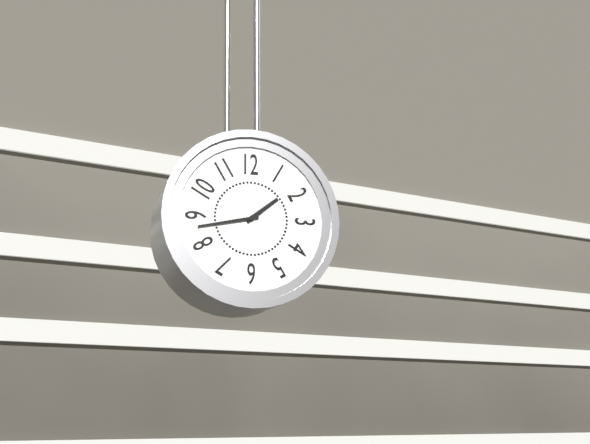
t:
**1:43**
